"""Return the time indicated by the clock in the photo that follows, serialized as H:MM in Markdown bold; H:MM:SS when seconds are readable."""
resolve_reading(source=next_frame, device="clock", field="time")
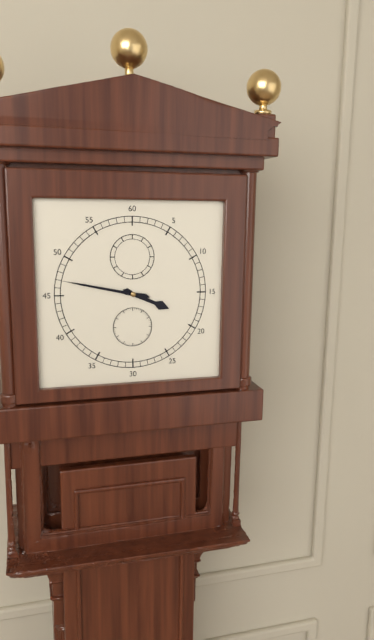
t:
**3:47**
